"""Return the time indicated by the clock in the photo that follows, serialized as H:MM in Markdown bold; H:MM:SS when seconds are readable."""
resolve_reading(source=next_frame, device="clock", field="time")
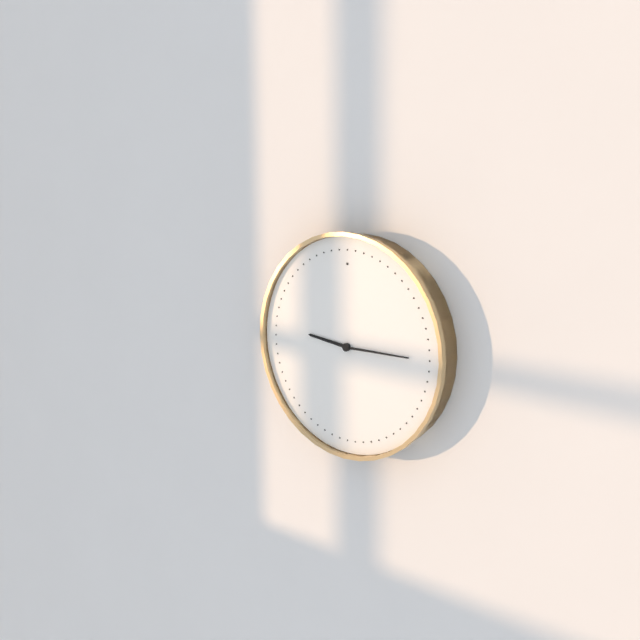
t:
**9:15**
